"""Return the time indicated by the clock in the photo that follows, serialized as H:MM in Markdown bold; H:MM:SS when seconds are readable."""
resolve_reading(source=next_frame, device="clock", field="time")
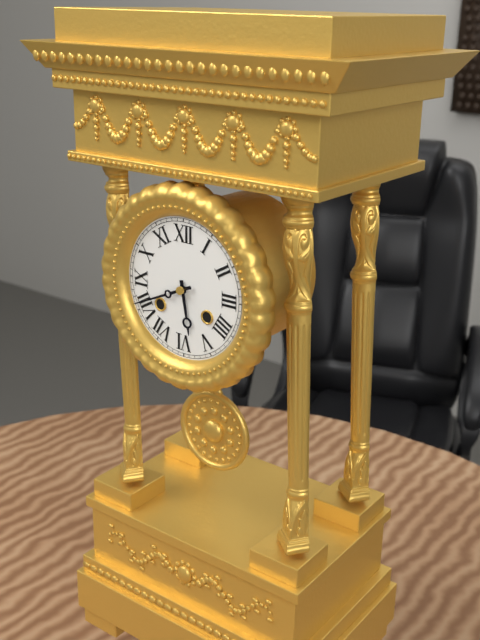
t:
**5:41**
